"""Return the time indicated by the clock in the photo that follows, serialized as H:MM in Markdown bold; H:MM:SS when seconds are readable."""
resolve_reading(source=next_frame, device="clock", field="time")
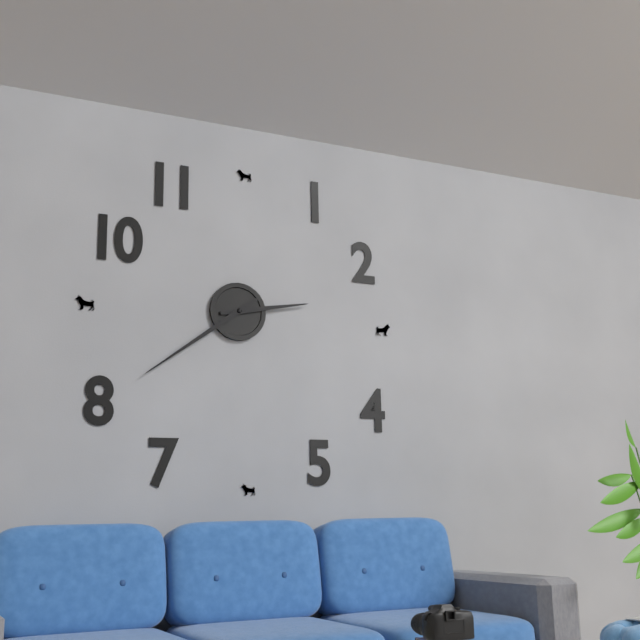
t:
**2:39**
